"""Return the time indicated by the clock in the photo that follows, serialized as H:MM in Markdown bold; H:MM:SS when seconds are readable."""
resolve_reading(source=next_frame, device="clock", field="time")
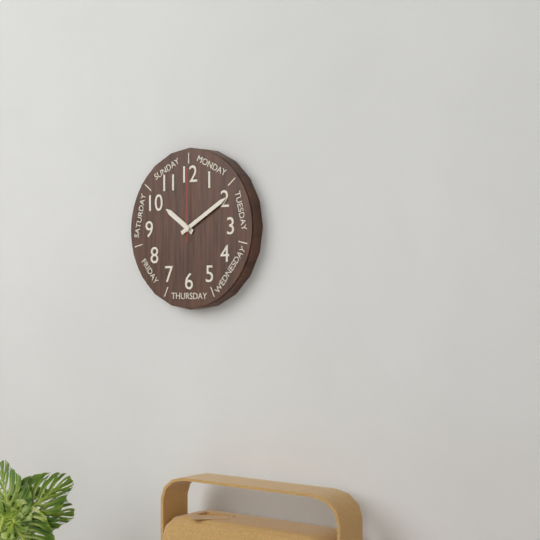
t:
**10:10:00**
